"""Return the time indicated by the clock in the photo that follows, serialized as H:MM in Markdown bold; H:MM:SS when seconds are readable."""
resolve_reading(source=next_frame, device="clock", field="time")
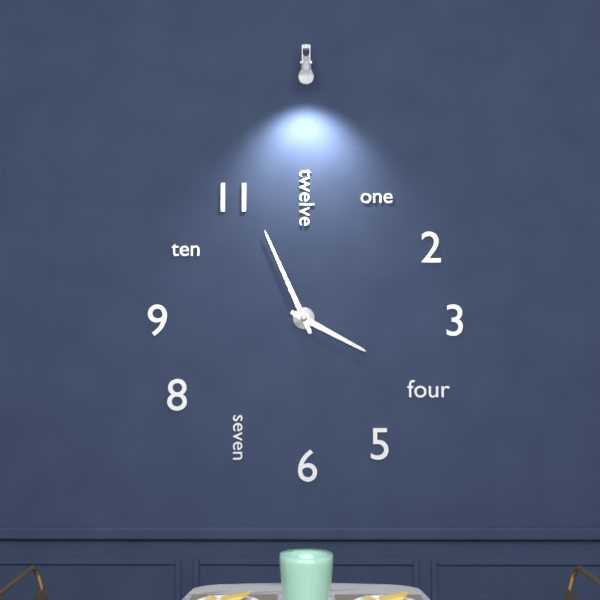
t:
**3:56**
